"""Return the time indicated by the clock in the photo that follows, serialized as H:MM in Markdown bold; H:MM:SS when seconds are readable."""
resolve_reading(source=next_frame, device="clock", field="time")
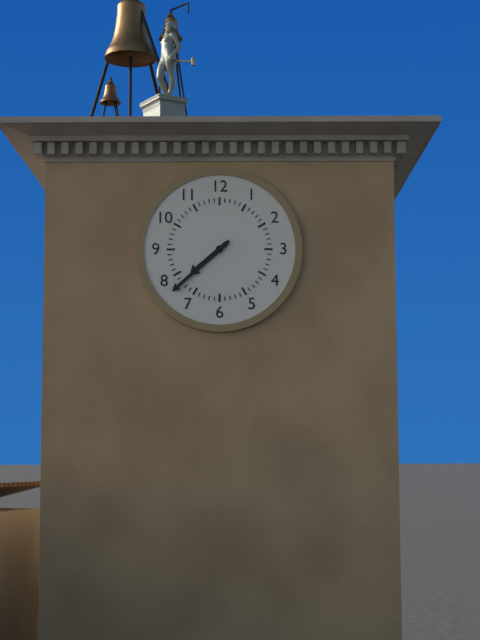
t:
**7:38**
